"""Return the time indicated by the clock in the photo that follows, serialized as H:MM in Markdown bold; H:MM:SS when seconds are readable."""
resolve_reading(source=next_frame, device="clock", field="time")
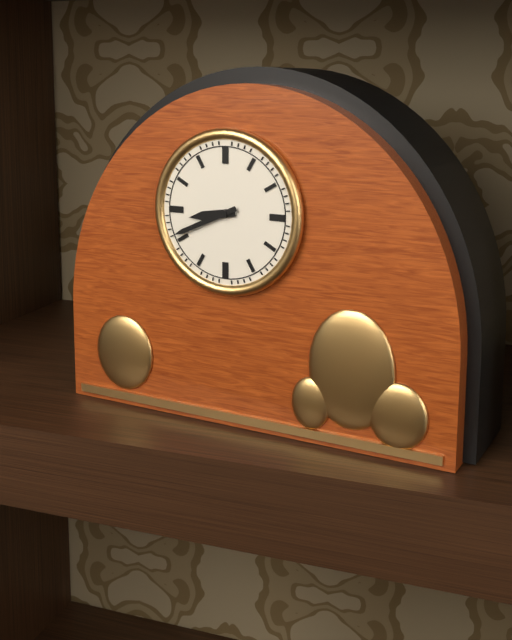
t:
**8:41**
